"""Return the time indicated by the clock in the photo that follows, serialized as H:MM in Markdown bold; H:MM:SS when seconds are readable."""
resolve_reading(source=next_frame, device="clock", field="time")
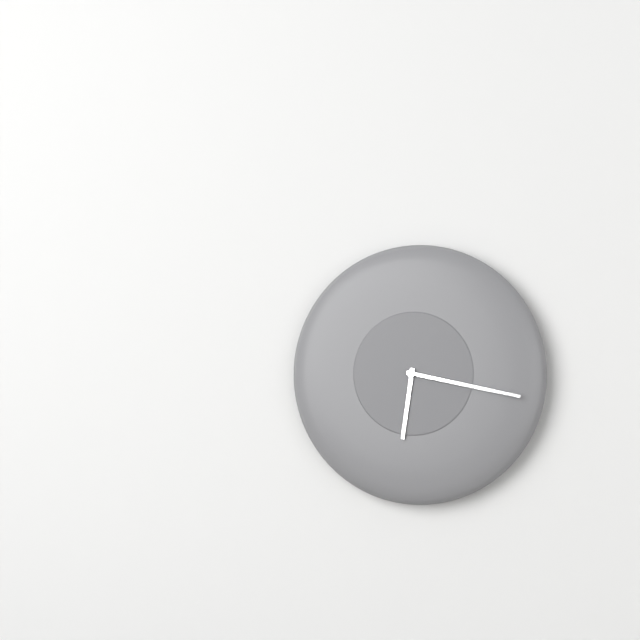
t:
**6:17**
